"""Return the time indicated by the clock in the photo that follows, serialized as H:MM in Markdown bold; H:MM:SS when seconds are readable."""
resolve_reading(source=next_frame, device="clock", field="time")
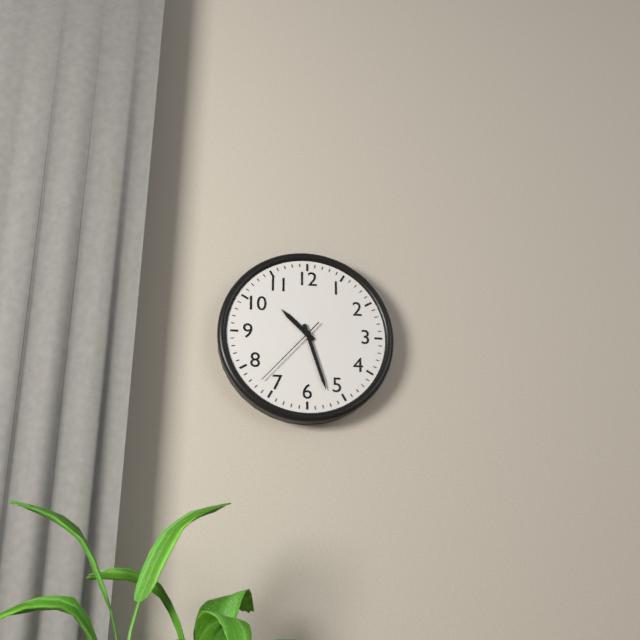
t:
**10:27:37**
